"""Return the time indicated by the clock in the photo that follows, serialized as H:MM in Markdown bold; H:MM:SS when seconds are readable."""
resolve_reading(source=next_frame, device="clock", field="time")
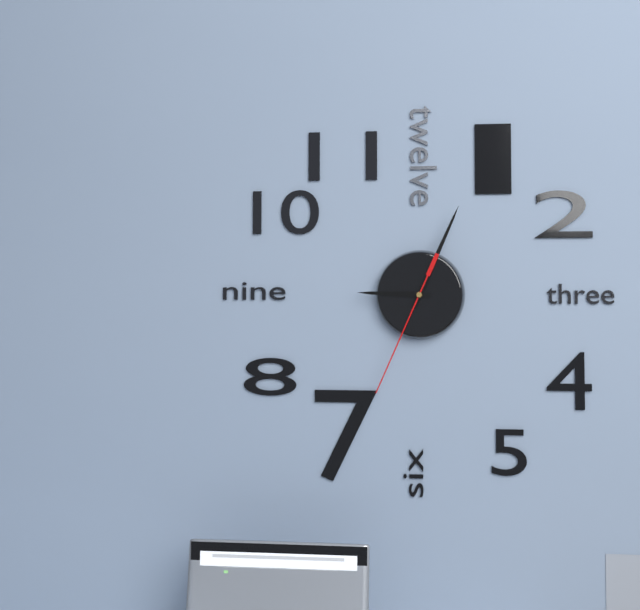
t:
**9:04:34**
